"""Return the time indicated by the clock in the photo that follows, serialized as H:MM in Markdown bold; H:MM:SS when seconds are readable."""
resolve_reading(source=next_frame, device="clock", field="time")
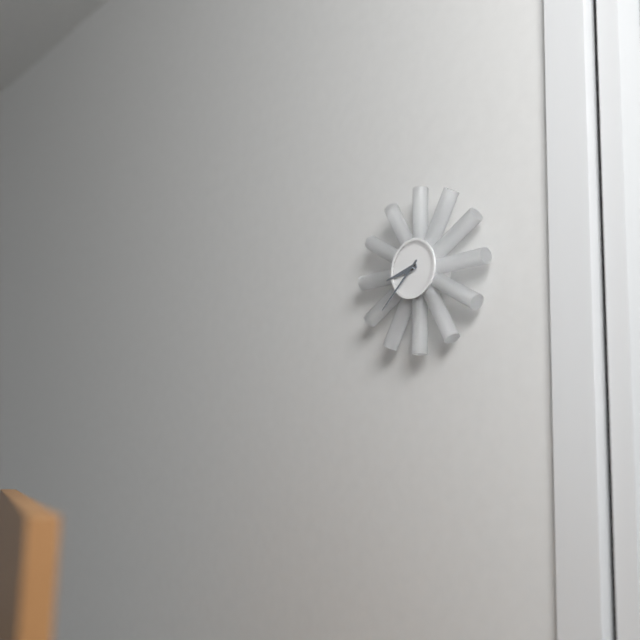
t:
**8:38**
